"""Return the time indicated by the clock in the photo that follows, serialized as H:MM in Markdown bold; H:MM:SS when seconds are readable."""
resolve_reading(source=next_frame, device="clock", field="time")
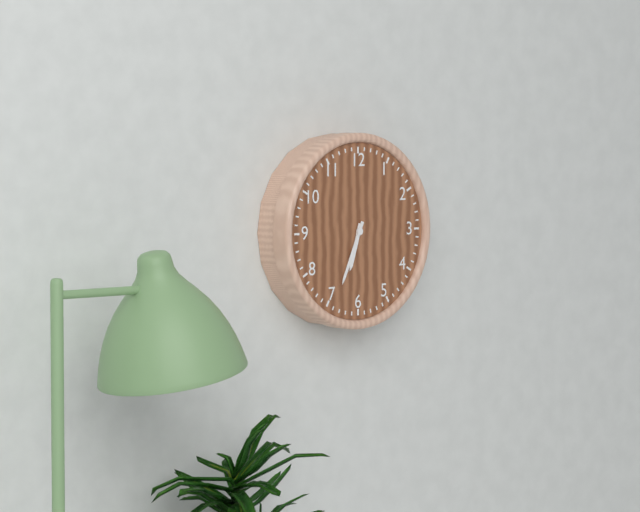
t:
**6:34**
